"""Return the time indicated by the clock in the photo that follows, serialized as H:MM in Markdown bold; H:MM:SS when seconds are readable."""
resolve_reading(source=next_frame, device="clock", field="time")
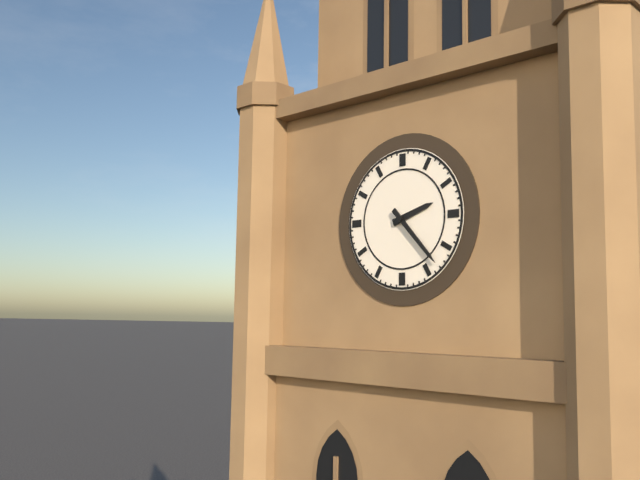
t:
**2:23**
